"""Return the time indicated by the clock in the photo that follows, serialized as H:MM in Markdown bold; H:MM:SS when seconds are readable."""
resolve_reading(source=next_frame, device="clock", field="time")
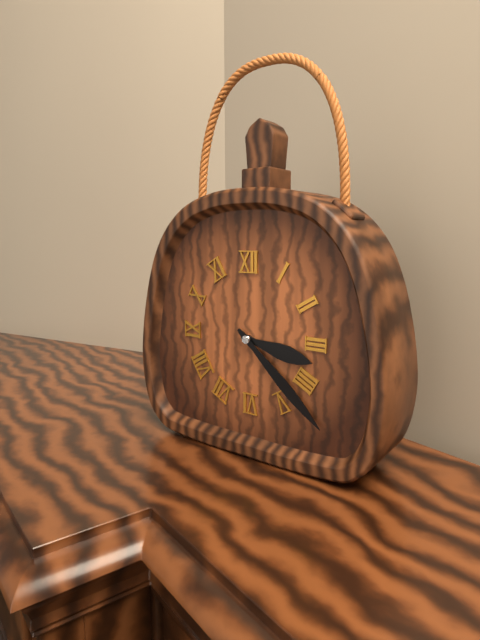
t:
**3:22**
